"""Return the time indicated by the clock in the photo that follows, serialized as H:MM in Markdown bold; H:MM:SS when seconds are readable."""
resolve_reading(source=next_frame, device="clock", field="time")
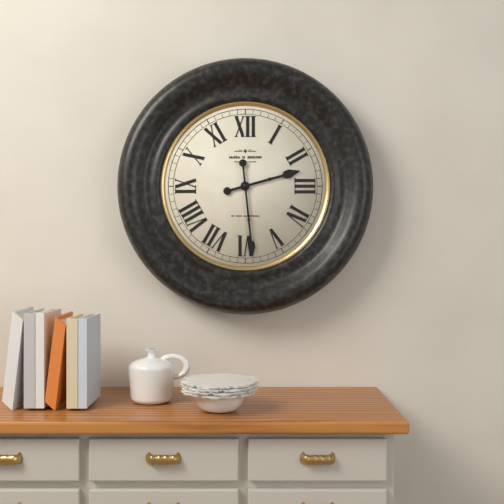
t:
**2:29**
